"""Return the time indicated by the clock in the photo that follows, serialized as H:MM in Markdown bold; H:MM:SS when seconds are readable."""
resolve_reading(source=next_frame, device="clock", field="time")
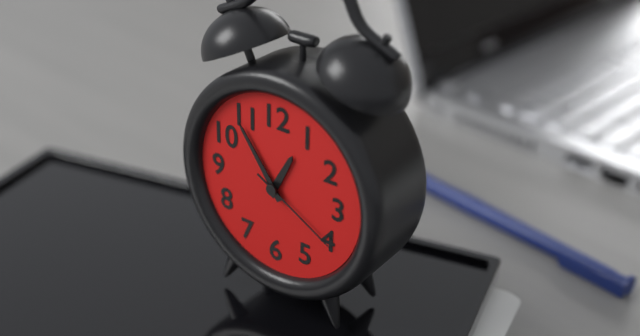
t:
**12:54:20**
